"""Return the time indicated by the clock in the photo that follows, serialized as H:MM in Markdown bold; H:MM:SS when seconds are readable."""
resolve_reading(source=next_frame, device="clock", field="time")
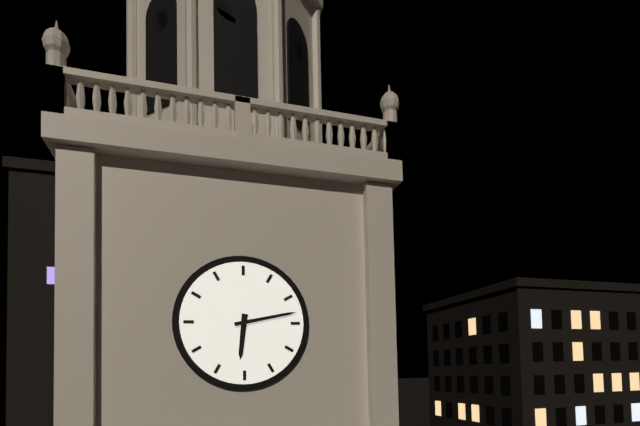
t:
**6:13**
